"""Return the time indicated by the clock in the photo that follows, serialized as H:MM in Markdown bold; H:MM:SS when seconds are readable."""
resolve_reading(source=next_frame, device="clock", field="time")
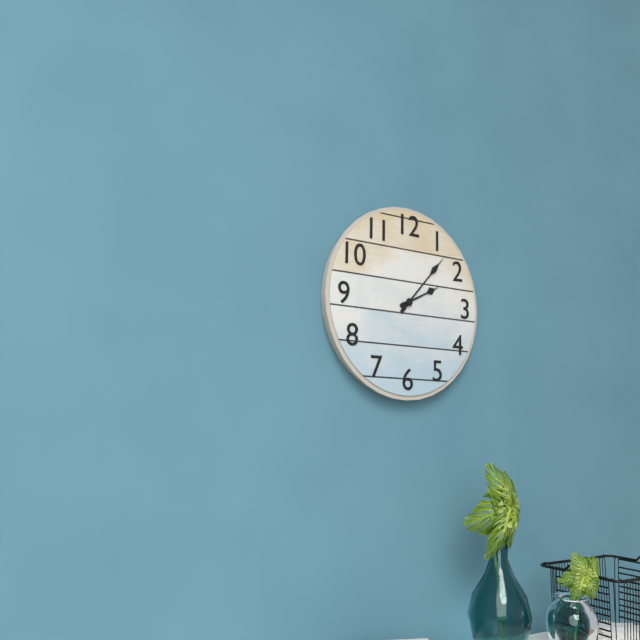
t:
**2:07**
